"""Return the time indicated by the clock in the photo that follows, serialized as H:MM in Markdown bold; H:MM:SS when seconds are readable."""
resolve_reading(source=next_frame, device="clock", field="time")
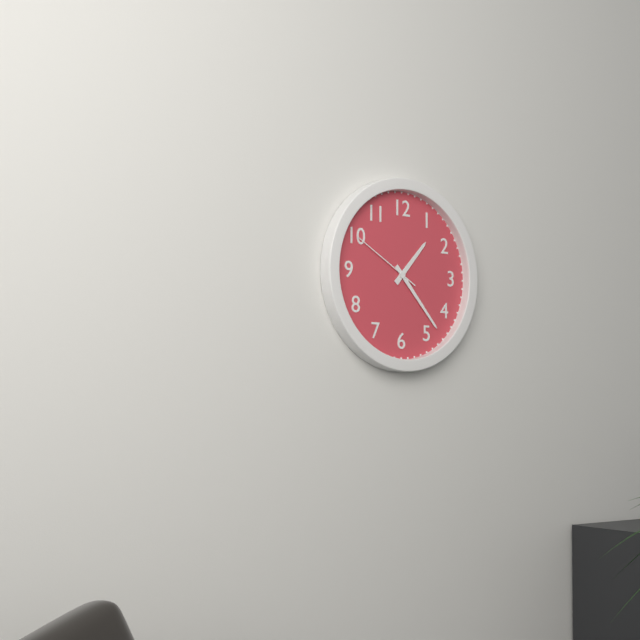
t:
**1:23:50**
